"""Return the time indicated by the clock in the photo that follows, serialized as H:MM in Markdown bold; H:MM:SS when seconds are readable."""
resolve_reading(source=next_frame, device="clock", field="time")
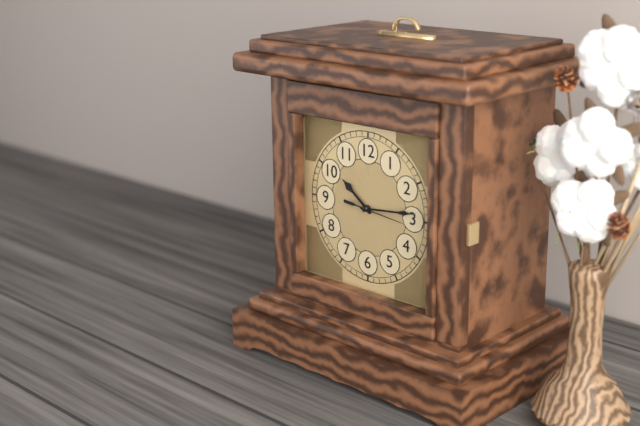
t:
**10:14:16**
